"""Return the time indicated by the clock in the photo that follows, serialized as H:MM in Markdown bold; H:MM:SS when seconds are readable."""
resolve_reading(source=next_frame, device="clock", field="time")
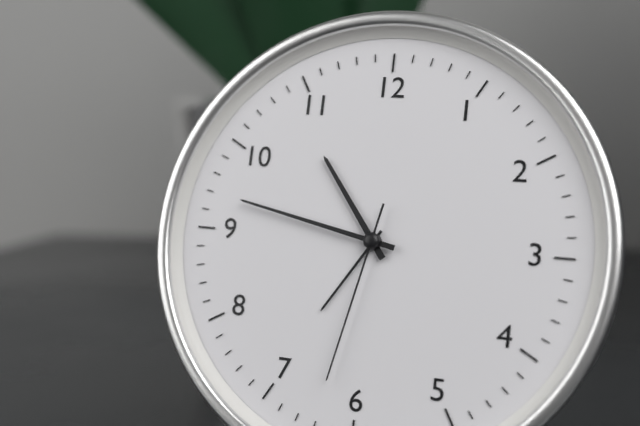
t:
**10:47:32**
